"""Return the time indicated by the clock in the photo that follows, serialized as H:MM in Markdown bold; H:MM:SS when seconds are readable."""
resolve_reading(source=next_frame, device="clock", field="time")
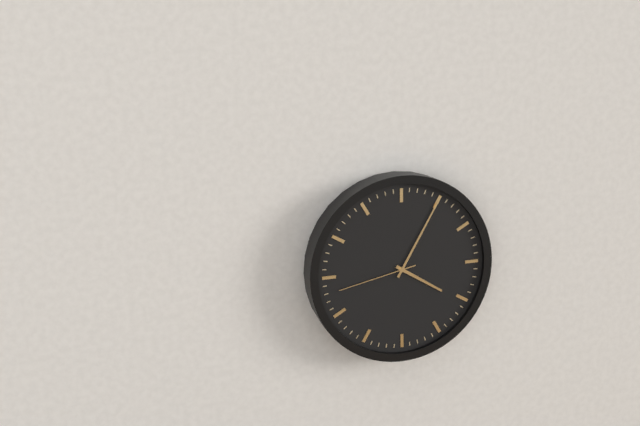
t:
**4:05:43**
